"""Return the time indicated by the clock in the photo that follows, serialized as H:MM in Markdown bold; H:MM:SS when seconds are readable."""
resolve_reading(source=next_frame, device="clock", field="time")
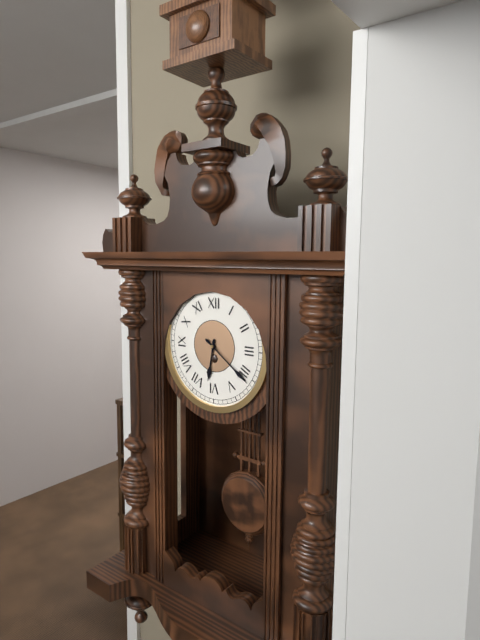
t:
**6:21**
